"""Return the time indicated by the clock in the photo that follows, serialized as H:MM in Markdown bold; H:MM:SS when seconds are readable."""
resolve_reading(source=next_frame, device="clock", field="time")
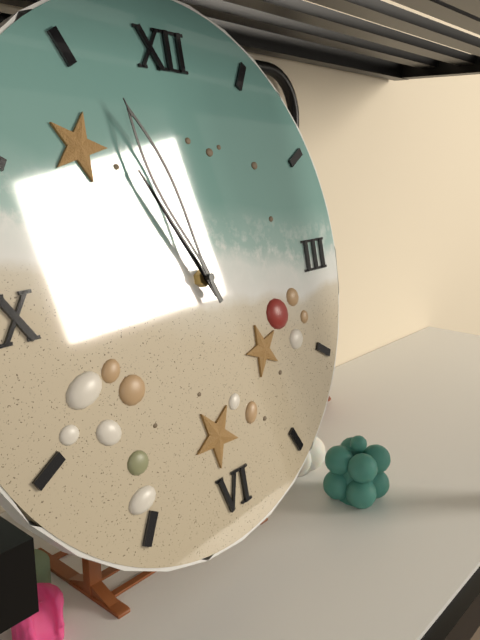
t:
**10:56**
